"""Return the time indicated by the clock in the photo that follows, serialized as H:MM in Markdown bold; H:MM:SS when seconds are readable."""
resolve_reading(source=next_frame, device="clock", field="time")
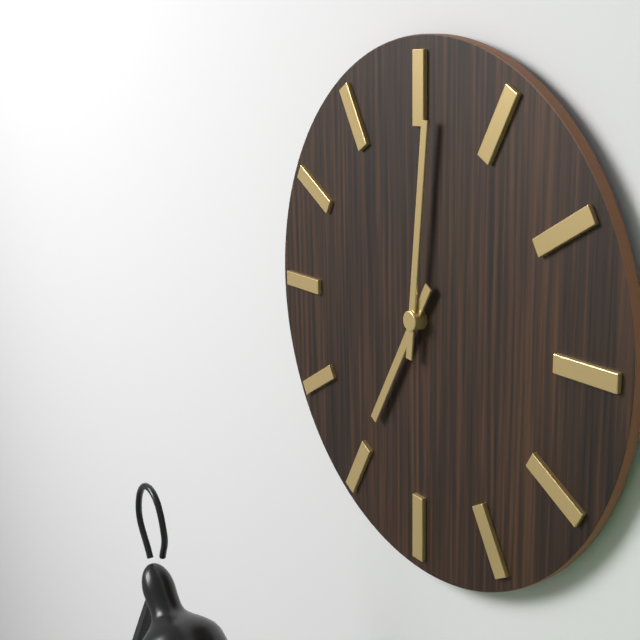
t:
**7:01**
